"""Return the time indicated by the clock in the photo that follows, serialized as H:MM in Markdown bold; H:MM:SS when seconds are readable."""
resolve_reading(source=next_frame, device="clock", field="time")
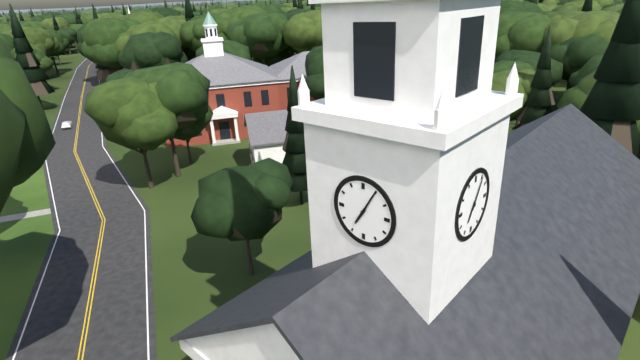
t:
**7:05**
